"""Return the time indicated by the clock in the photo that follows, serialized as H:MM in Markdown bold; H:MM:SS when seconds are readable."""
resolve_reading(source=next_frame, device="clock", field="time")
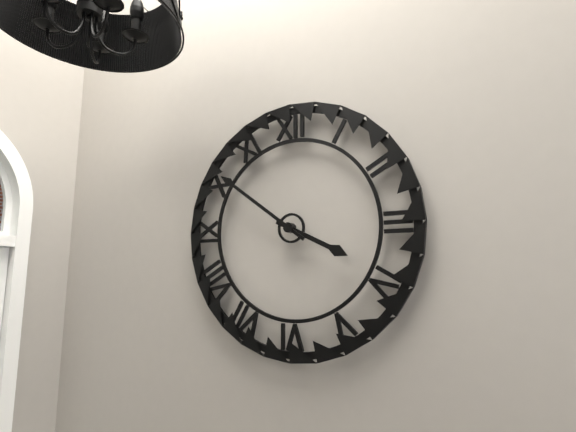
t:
**3:51**
